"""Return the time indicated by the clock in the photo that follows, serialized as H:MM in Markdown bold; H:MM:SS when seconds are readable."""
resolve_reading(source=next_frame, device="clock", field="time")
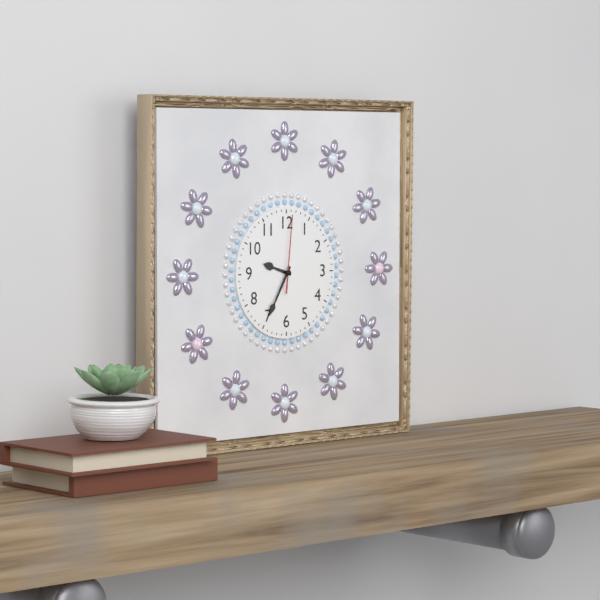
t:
**9:35:01**
